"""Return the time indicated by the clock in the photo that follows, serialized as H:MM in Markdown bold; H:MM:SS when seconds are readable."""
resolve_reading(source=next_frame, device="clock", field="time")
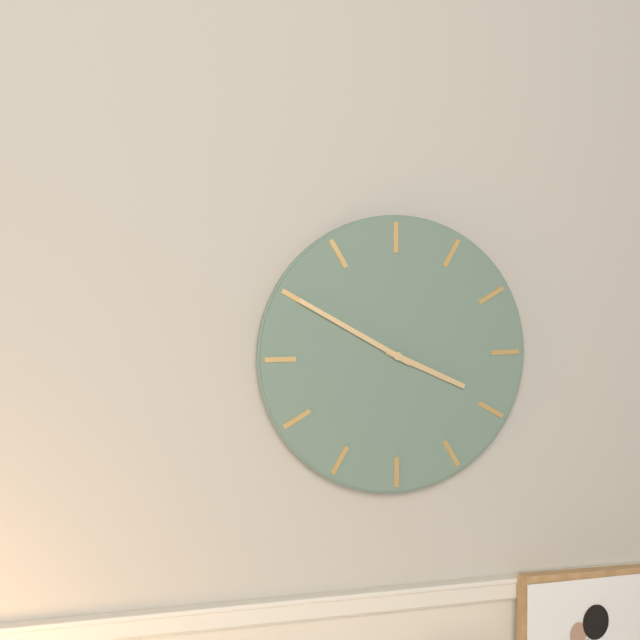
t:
**3:50**
